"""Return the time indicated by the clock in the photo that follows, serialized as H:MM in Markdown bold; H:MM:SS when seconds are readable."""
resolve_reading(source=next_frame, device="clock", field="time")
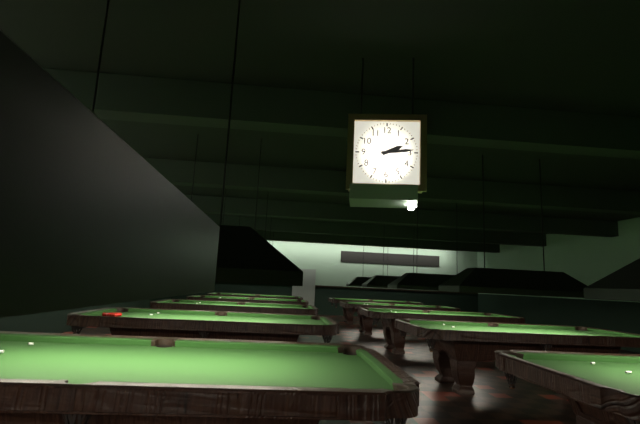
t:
**2:14**
